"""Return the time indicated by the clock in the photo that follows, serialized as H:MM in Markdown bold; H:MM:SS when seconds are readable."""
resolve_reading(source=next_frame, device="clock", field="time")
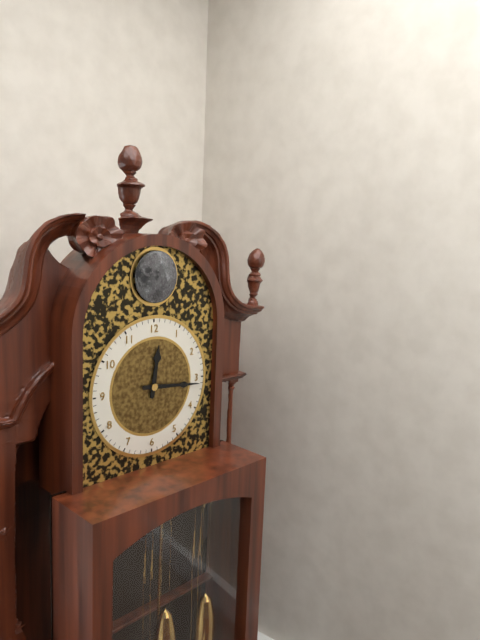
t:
**12:16**
